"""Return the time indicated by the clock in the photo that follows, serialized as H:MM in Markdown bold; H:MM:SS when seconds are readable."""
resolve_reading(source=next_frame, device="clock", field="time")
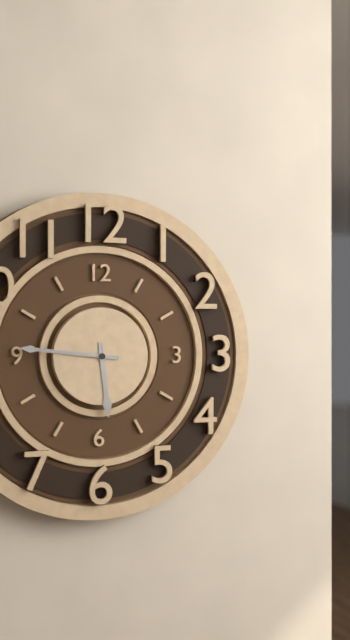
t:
**5:46**
